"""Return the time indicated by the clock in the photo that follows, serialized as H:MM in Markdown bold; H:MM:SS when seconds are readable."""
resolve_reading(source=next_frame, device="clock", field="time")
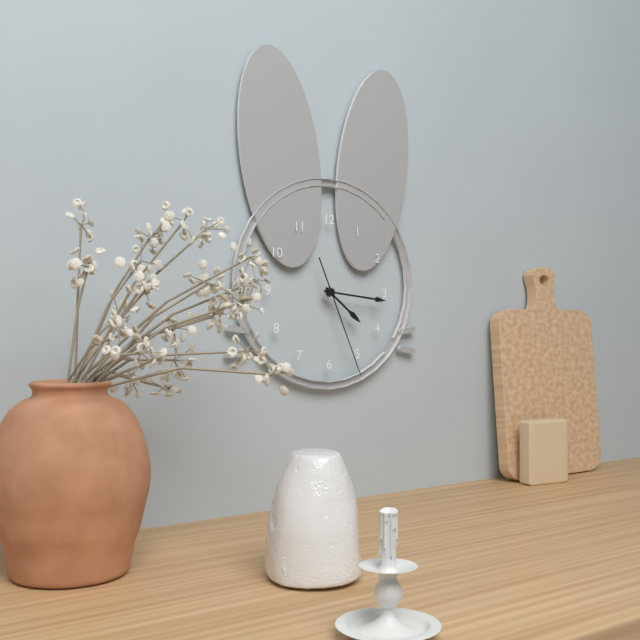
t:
**4:16:26**
